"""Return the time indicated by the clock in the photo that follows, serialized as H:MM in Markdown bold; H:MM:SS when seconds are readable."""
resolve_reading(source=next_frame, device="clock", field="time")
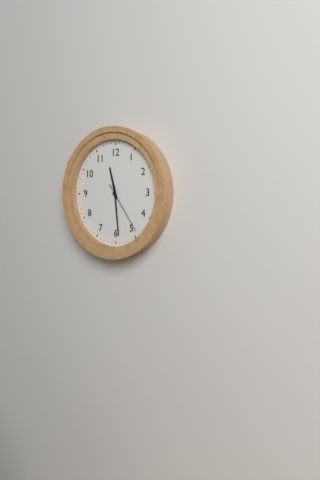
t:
**11:29:24**
